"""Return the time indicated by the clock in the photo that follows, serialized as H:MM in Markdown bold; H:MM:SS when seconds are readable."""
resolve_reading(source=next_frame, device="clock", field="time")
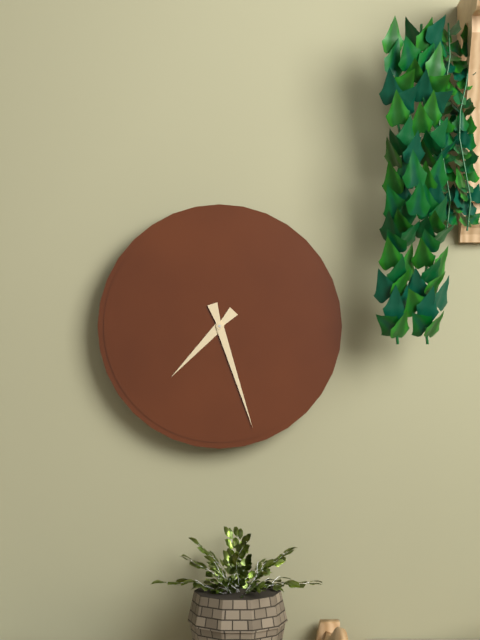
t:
**7:27**
